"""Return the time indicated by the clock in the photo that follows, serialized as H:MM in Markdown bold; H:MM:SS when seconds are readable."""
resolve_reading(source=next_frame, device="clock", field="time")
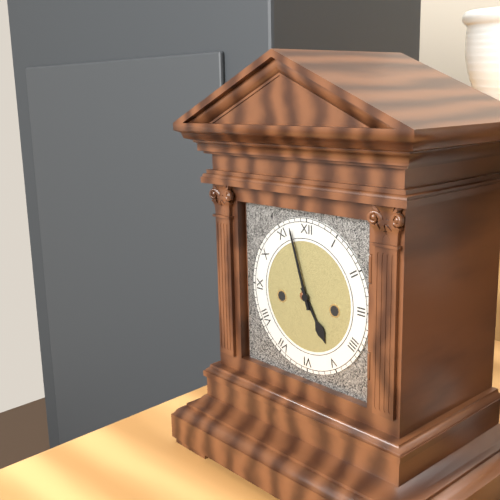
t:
**4:57**
